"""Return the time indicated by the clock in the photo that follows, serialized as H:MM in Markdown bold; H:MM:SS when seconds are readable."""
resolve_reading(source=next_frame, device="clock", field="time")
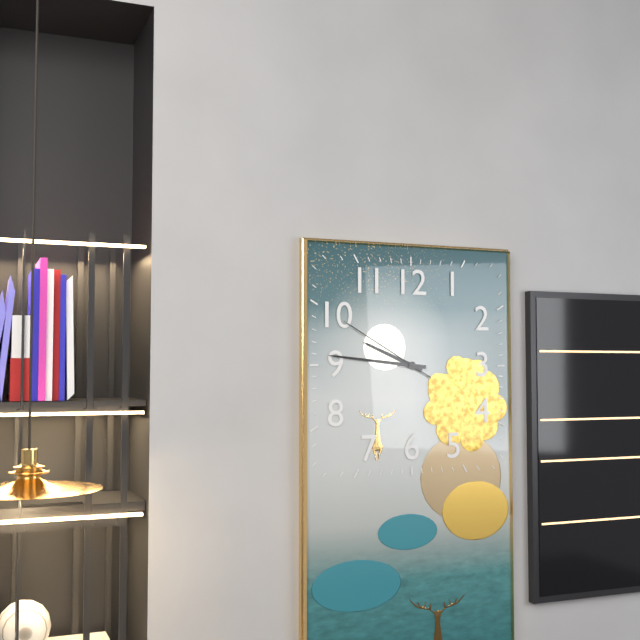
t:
**9:46:50**
